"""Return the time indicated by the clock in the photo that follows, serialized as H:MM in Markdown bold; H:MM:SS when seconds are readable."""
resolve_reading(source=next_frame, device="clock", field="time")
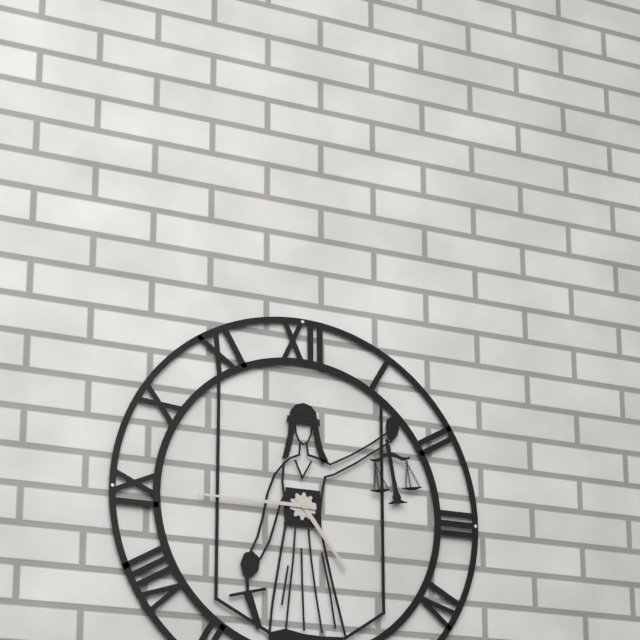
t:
**4:45**
